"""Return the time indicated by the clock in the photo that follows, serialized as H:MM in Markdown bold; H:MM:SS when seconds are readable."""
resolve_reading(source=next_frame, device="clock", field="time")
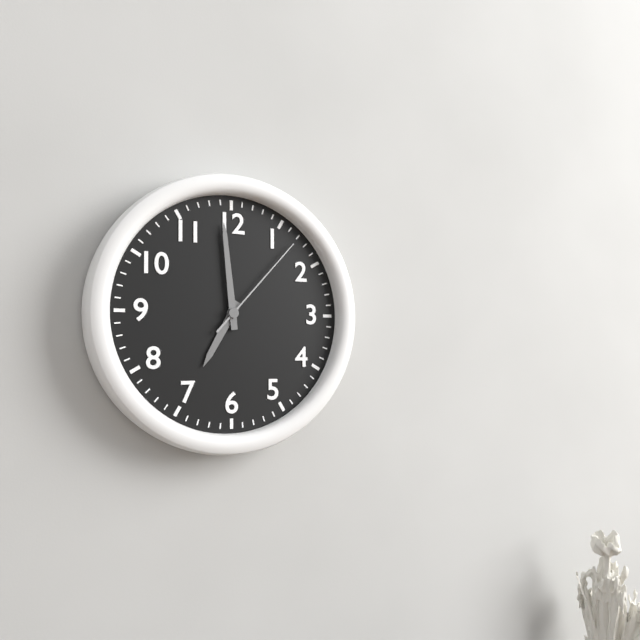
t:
**6:59:07**
